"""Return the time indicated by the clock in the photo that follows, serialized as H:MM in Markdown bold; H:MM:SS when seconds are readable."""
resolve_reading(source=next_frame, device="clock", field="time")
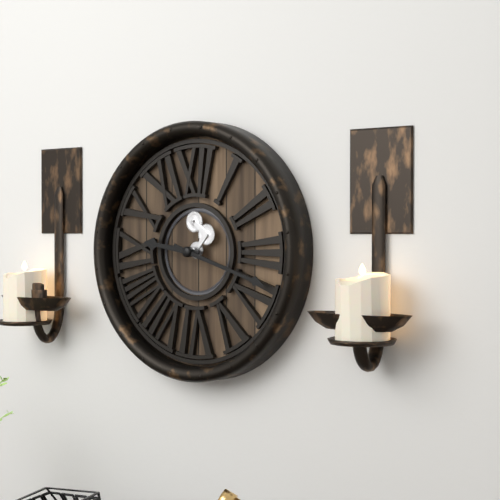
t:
**9:18**
